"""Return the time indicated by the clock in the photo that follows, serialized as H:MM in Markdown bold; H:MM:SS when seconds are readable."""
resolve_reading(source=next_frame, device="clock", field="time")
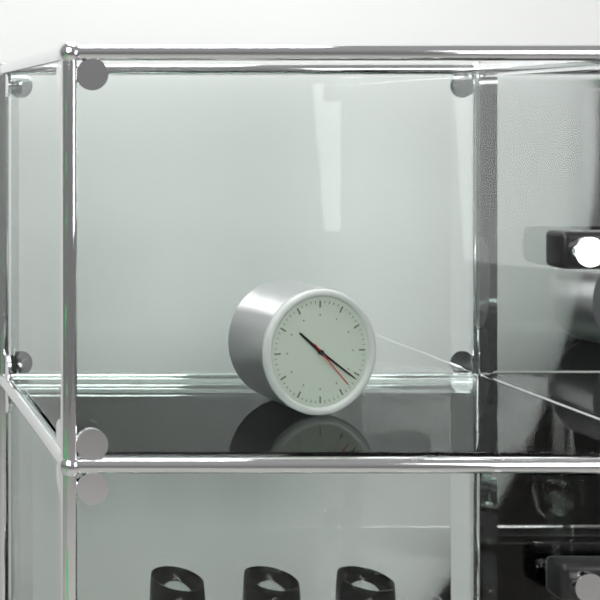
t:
**10:21:23**
